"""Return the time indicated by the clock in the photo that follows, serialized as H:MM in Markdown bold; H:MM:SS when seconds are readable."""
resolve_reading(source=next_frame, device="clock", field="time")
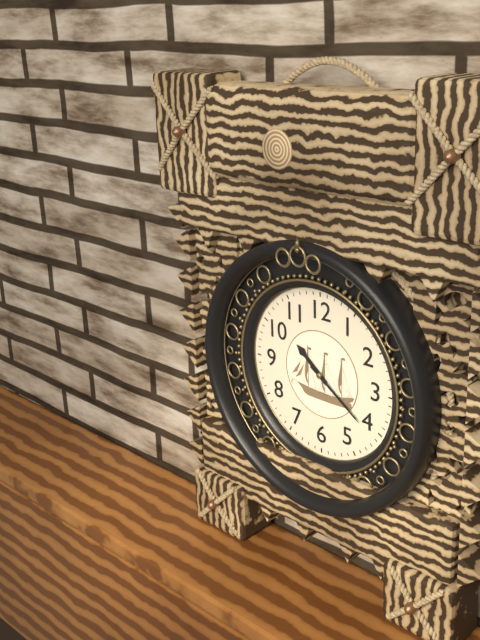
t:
**10:21**
